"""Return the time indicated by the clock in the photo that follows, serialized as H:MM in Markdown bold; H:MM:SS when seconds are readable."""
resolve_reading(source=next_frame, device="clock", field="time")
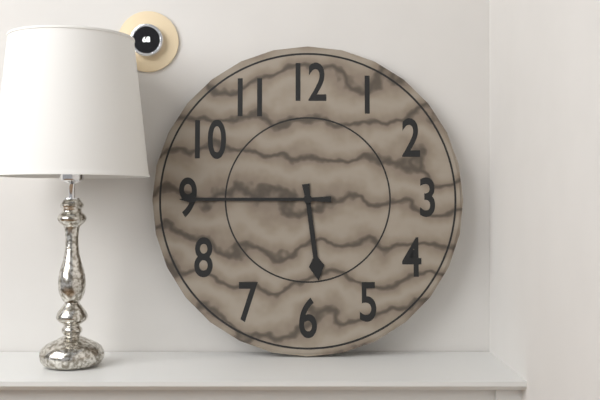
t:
**5:45**
